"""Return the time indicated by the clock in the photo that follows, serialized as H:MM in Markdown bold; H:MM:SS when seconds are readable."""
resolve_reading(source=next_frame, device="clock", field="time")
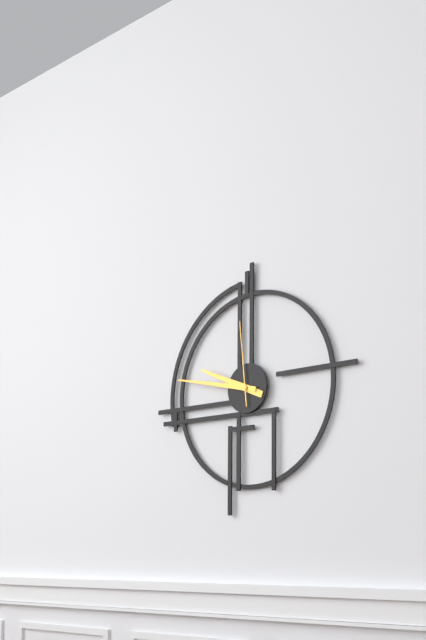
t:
**9:47:59**
